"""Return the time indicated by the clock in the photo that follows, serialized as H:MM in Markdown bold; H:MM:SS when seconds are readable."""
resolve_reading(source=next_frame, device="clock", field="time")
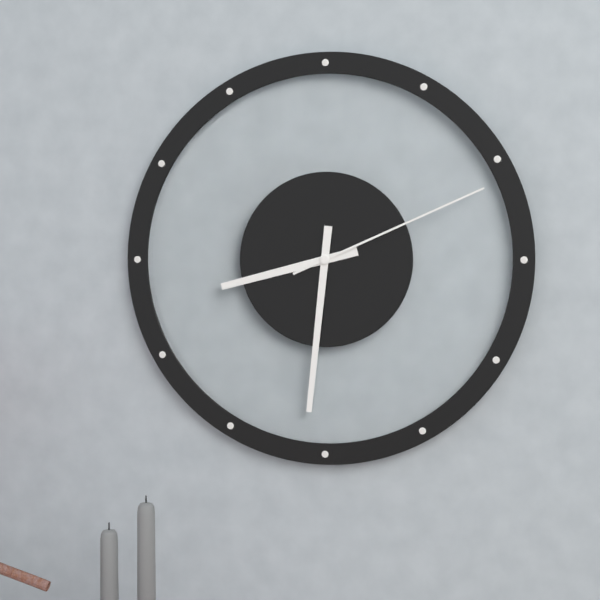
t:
**8:31:11**
